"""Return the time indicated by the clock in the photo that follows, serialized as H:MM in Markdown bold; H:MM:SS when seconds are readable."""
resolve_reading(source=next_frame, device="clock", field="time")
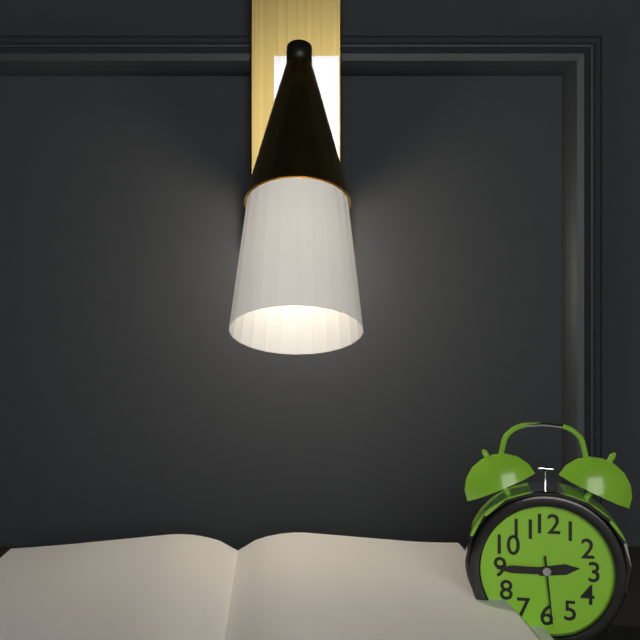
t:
**2:45:29**
